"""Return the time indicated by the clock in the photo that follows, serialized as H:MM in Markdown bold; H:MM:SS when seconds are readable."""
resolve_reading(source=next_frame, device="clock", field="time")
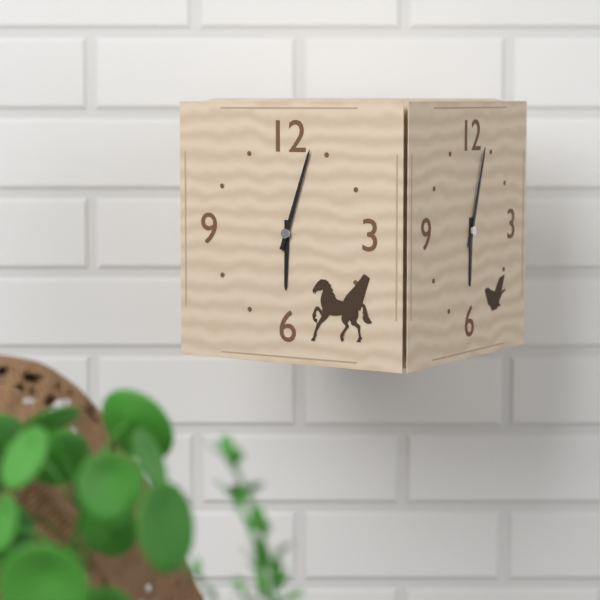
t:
**6:03**
